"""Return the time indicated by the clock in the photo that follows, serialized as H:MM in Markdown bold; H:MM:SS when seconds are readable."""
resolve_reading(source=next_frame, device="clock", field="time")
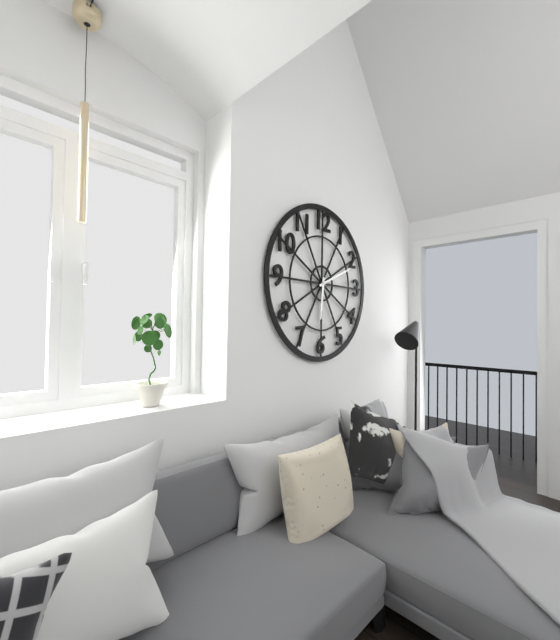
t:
**6:11**
